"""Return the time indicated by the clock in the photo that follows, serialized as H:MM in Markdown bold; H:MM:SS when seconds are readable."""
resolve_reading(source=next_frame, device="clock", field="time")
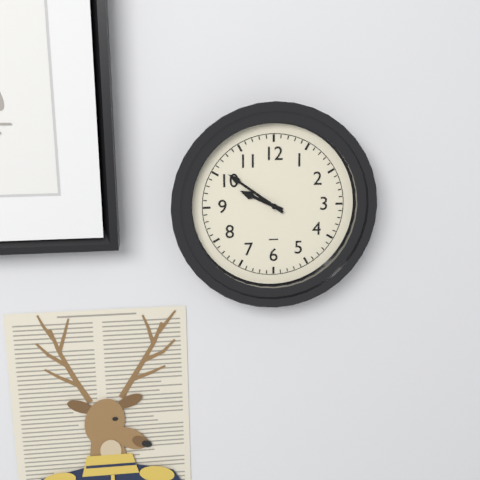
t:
**9:51**
